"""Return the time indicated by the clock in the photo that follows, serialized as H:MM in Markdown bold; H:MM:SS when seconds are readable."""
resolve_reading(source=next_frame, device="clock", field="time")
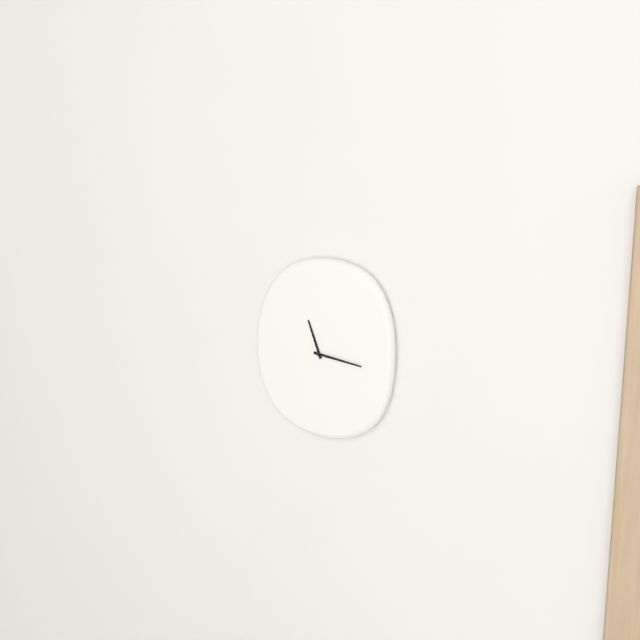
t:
**11:16**
